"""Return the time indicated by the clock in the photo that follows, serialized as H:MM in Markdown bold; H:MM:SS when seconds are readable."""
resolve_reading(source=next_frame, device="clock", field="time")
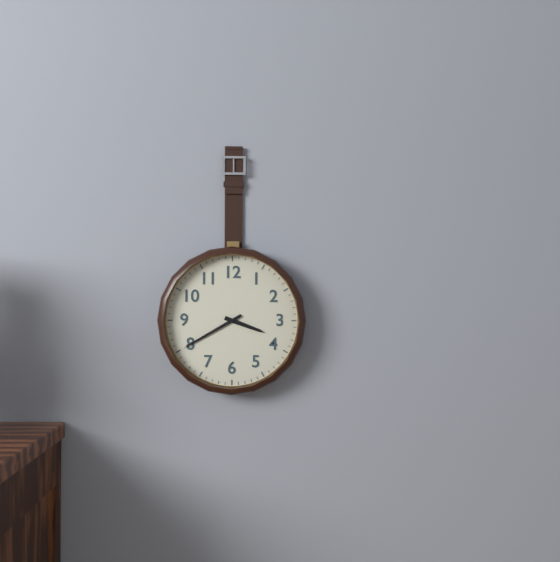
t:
**3:40**
